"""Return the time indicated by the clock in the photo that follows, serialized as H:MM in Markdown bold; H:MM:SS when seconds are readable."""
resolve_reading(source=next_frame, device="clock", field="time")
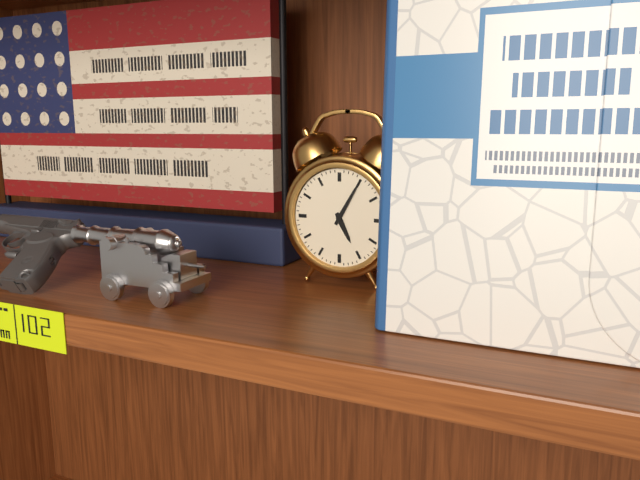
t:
**5:05**
